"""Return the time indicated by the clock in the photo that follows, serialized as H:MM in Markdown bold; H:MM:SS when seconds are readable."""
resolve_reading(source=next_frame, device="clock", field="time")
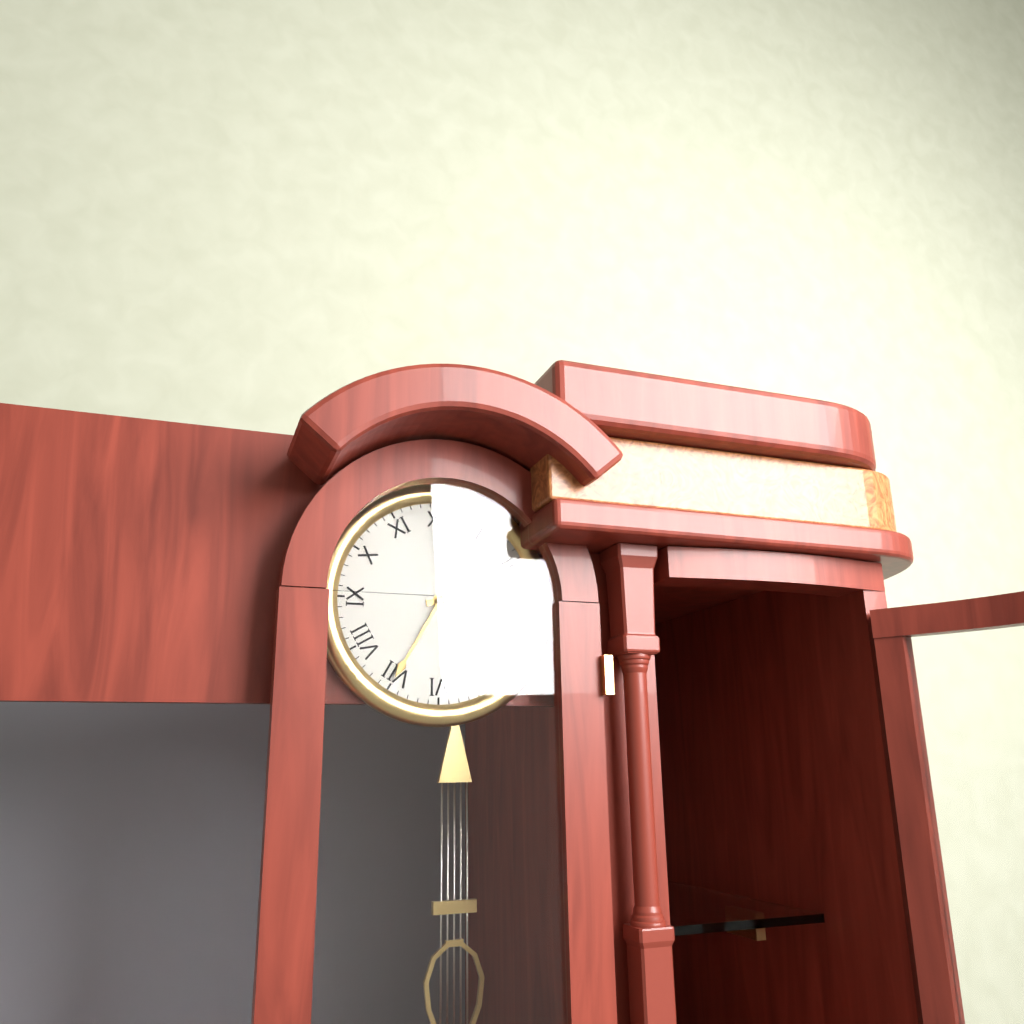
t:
**2:35**
